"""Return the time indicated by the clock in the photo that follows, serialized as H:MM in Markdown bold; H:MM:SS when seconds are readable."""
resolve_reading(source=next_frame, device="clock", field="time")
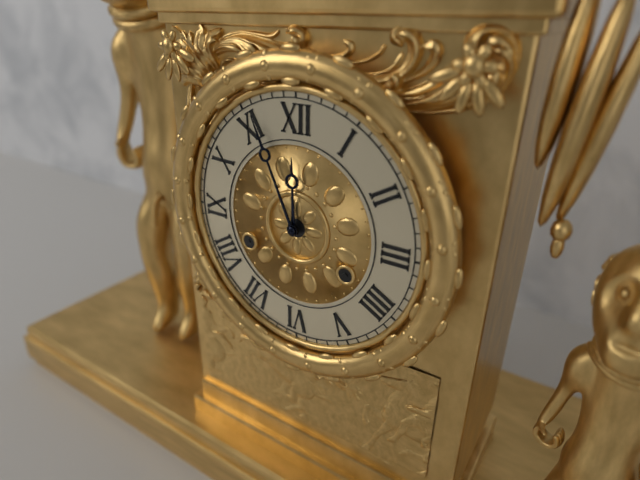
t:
**11:56**
